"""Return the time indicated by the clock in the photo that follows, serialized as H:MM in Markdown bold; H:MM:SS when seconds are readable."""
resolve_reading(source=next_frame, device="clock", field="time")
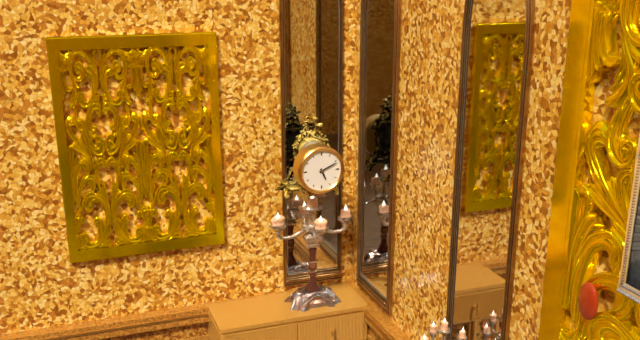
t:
**5:11**
